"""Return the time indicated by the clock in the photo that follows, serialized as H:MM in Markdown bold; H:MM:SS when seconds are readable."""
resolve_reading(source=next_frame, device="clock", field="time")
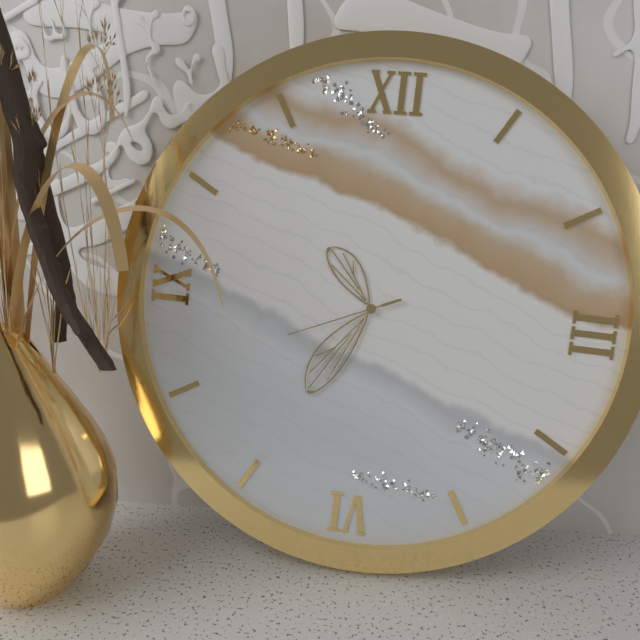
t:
**10:35:41**
